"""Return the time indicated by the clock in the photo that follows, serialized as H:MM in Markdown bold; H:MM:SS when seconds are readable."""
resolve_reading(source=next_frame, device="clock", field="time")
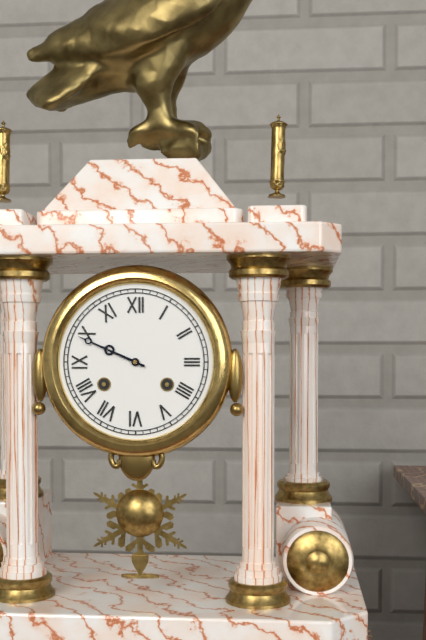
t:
**9:49**
